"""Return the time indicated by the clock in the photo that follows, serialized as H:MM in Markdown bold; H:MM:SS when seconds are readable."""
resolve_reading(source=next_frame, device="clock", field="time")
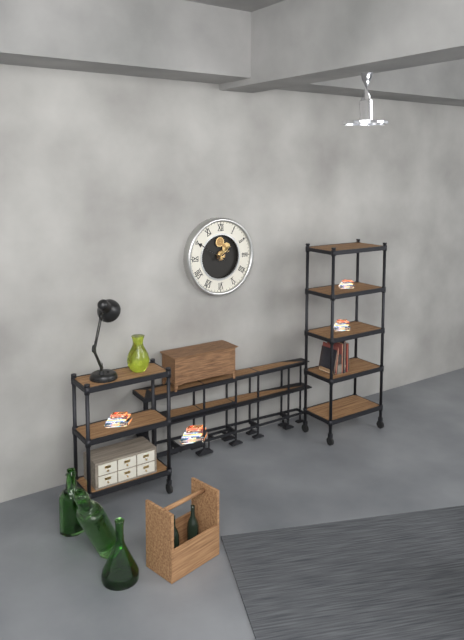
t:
**1:50**
